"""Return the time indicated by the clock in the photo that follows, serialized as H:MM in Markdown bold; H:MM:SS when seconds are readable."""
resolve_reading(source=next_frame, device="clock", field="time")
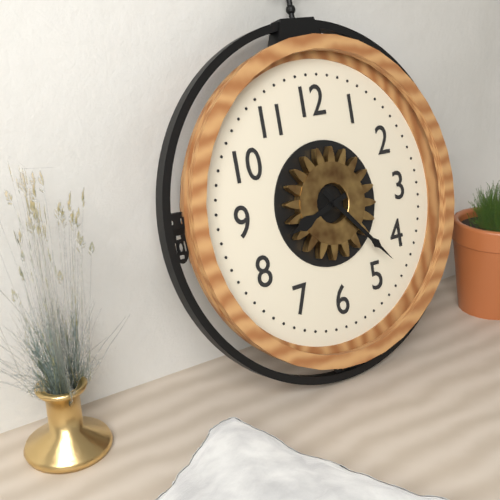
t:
**8:23**
